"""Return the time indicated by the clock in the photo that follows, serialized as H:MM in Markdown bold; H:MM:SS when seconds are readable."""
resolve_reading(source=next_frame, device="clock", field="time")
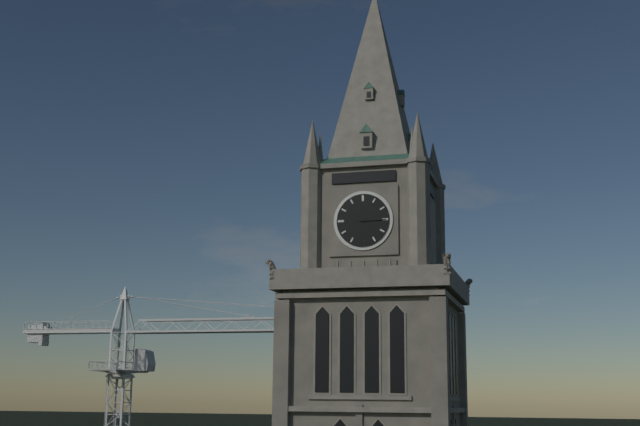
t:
**10:15**
